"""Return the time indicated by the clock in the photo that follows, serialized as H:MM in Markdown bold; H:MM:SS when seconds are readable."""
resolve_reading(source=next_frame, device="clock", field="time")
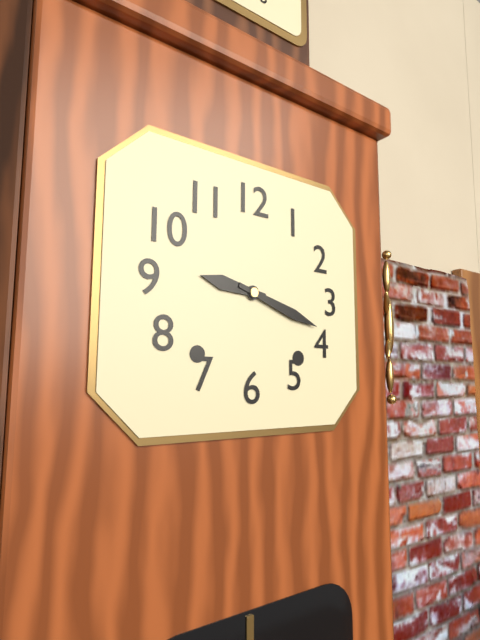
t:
**9:18**
